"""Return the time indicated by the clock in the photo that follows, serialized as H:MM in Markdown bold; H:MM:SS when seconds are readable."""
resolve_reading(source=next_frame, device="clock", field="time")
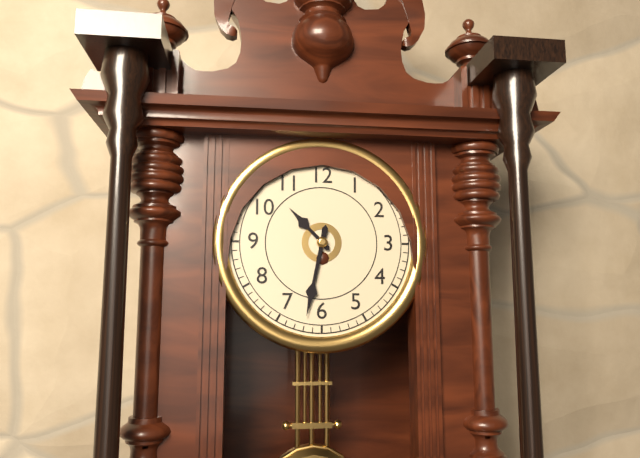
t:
**10:32**
